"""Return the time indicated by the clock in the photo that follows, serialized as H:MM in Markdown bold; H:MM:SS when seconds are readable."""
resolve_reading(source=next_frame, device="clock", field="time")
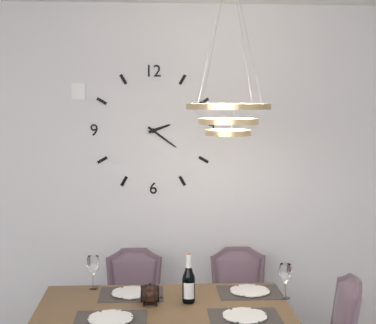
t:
**2:21**
